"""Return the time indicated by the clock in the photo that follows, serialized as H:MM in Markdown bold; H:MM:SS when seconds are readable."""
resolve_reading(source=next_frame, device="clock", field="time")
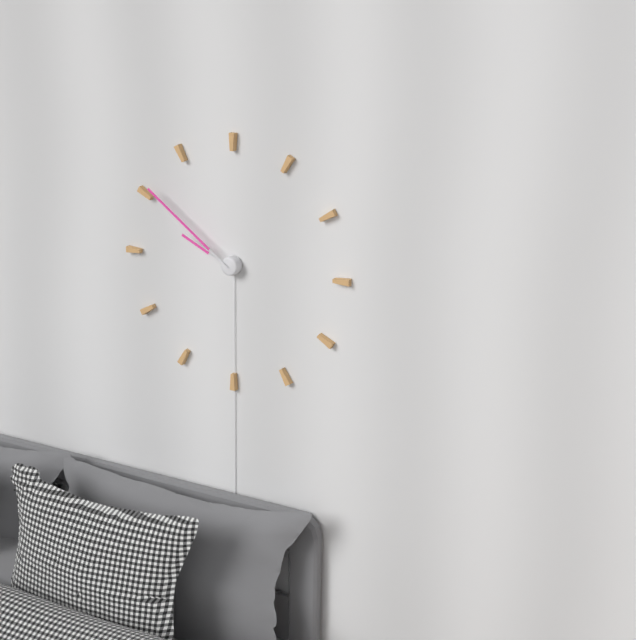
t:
**9:51**
